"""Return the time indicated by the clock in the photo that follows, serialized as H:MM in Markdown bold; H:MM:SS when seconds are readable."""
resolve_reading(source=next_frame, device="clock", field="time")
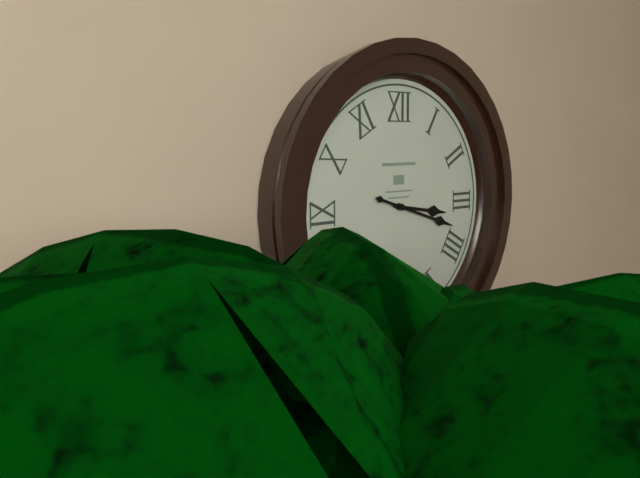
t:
**3:18**
